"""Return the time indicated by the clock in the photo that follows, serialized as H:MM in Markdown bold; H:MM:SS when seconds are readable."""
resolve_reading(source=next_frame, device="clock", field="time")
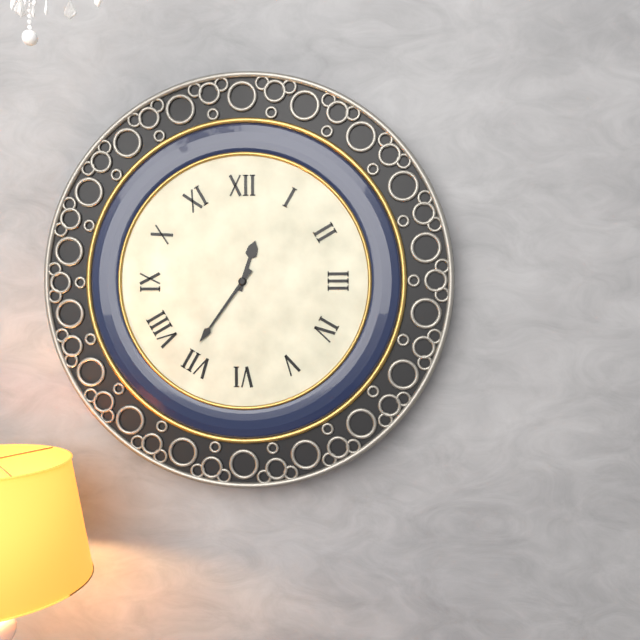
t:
**12:36**
